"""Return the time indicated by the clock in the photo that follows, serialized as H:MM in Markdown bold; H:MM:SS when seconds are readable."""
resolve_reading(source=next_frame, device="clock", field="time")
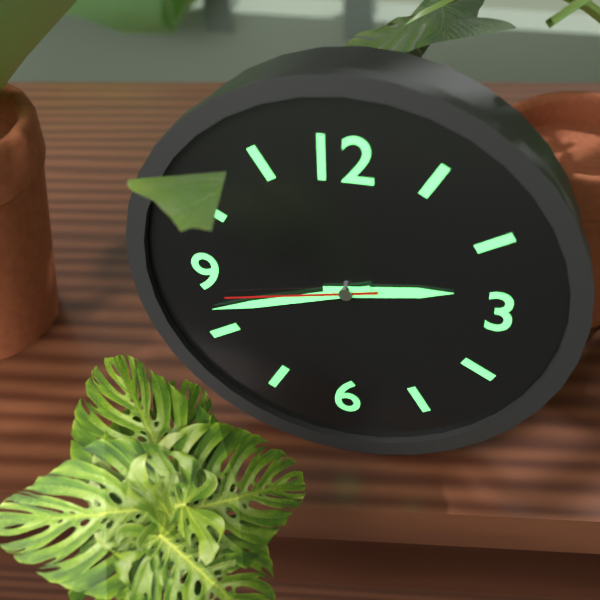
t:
**2:42:43**
